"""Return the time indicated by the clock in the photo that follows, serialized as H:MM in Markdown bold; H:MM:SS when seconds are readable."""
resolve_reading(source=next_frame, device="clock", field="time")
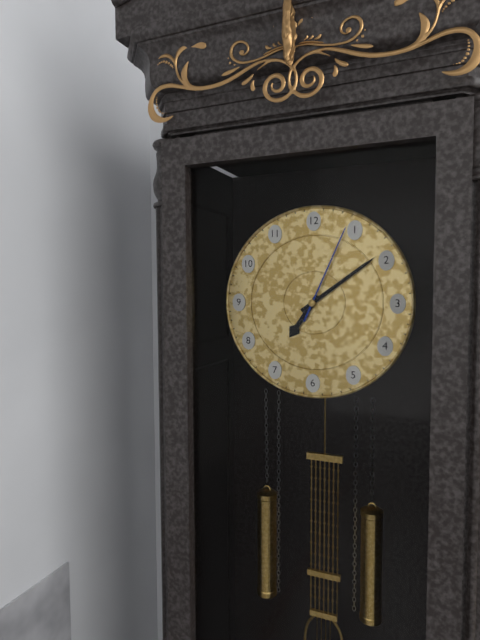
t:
**7:09:04**
